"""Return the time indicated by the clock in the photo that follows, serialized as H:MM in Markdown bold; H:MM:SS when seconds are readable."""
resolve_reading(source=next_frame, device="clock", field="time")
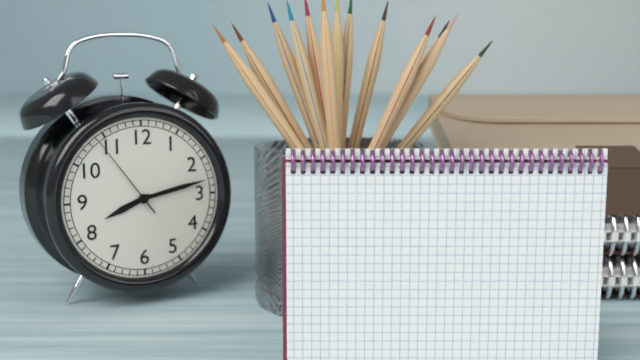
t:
**8:13:54**
